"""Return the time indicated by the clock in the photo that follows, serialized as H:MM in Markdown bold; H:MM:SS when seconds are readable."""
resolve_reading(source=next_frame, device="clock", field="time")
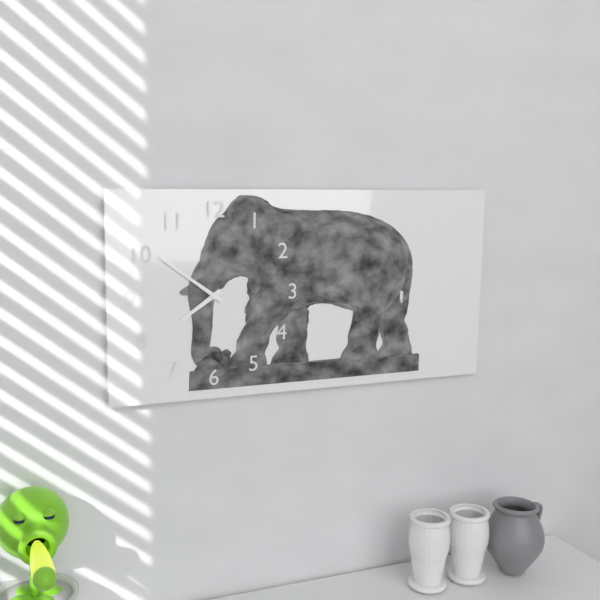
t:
**7:51**
